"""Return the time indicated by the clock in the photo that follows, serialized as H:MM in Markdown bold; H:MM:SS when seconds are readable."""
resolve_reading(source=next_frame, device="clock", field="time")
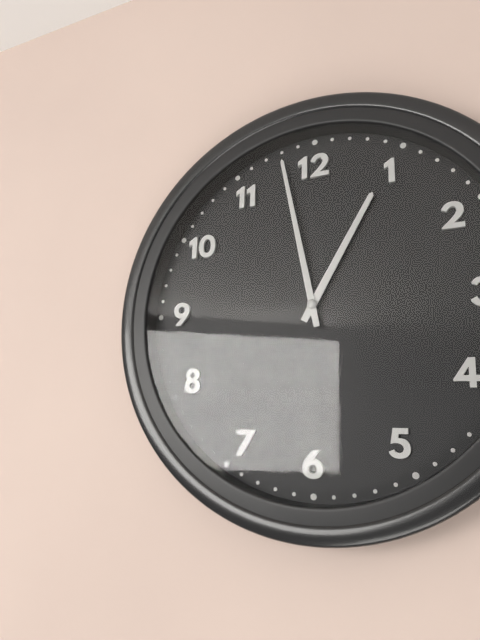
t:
**12:58**
